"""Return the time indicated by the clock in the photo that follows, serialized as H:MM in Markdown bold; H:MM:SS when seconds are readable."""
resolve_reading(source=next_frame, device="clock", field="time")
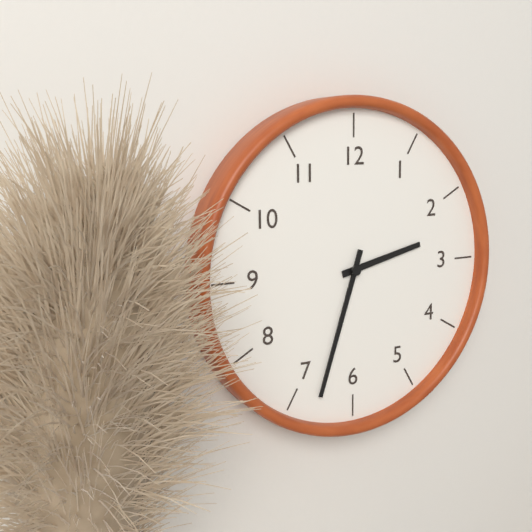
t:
**2:33**
